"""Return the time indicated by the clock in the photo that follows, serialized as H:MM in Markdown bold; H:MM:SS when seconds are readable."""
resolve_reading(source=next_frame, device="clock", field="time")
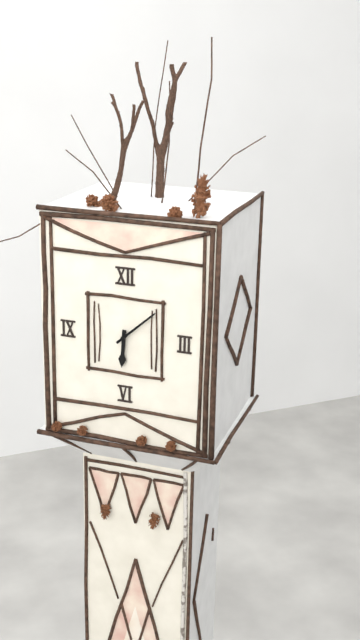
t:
**6:08**
